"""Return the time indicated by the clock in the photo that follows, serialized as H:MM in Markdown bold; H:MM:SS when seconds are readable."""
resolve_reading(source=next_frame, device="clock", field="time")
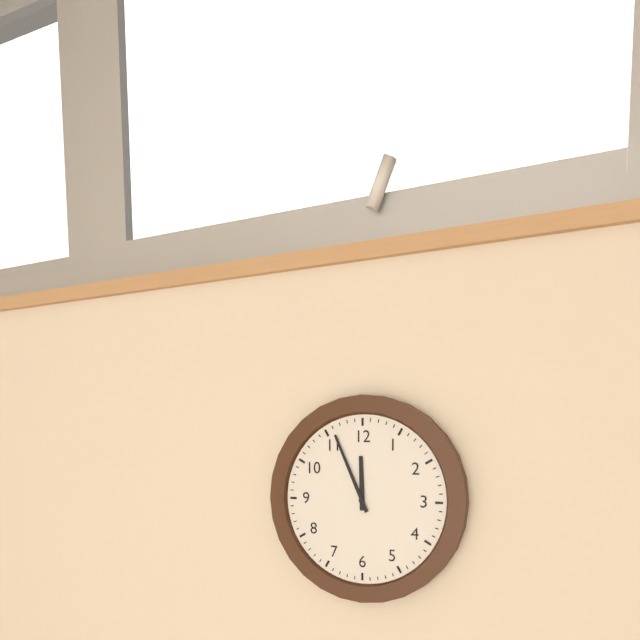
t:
**11:56**
